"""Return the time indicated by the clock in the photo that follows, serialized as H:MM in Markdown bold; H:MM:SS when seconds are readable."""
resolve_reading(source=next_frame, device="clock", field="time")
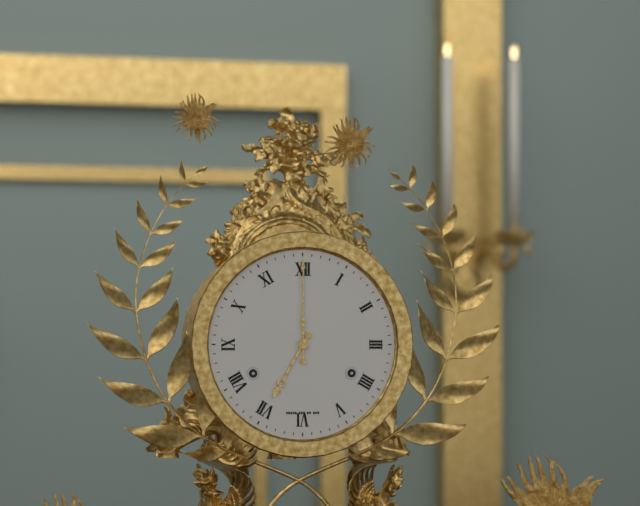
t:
**7:00**
